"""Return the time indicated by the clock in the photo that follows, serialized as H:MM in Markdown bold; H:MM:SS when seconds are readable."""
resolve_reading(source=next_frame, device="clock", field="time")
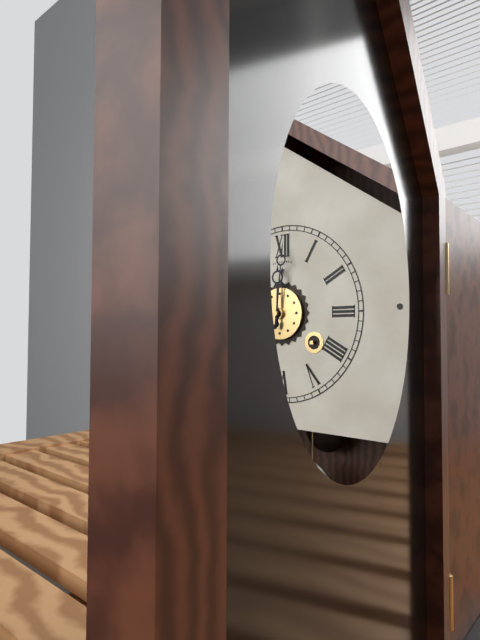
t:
**12:01**
